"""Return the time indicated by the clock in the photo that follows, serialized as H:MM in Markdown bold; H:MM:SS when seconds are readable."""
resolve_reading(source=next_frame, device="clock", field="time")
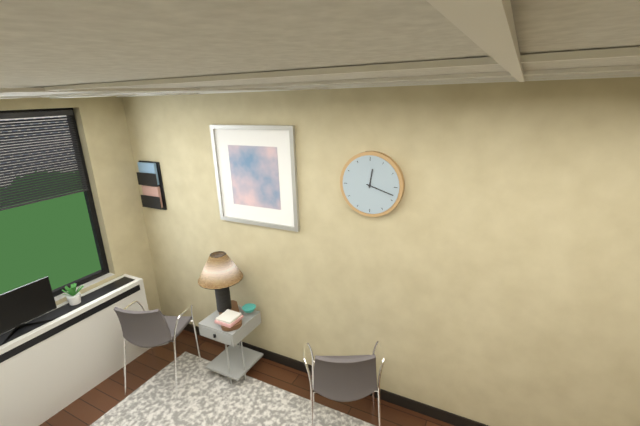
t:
**12:18**
